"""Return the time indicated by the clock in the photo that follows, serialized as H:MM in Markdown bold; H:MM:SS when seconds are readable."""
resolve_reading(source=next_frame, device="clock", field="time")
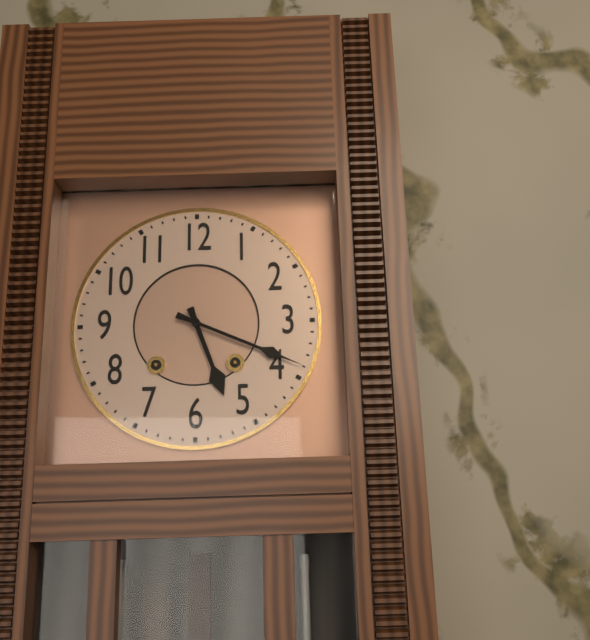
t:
**5:19**
